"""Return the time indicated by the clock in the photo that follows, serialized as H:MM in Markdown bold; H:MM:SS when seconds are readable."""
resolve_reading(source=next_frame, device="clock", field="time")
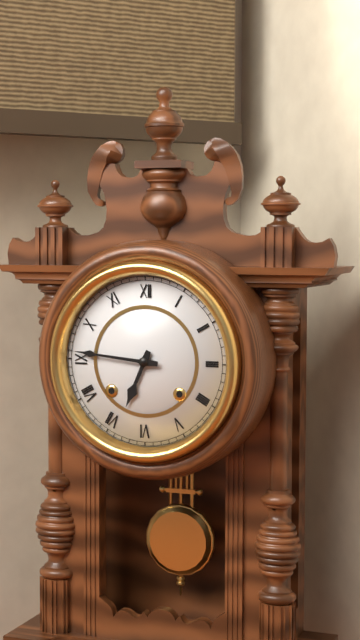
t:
**6:46**
